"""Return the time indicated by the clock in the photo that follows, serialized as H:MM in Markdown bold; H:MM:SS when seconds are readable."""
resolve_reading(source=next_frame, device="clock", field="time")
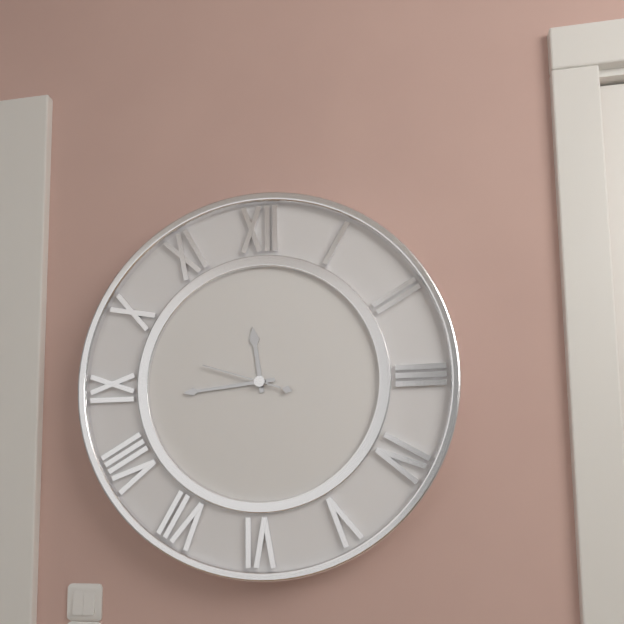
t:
**11:44:48**
